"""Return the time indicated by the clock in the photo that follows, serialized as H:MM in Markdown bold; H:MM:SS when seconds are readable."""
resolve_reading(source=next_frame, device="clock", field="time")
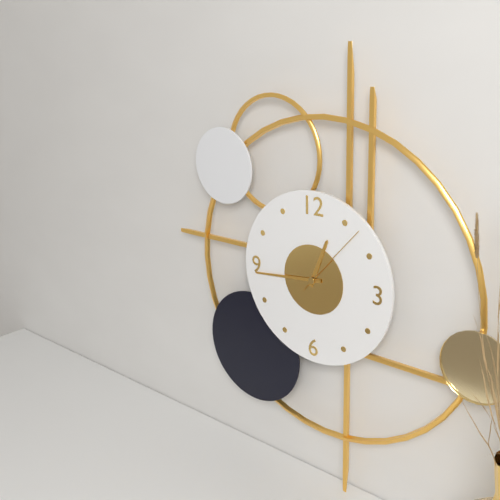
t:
**12:44:07**
